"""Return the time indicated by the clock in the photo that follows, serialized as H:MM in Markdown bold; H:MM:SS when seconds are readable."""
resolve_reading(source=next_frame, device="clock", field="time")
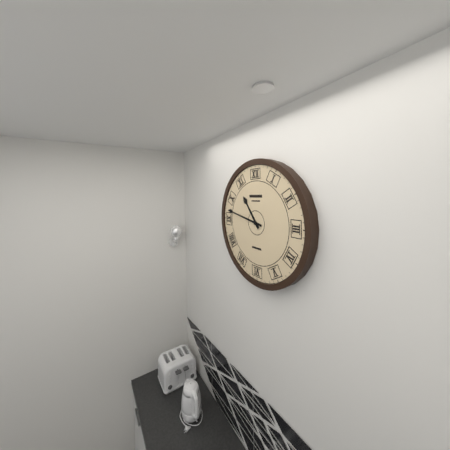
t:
**10:47**
